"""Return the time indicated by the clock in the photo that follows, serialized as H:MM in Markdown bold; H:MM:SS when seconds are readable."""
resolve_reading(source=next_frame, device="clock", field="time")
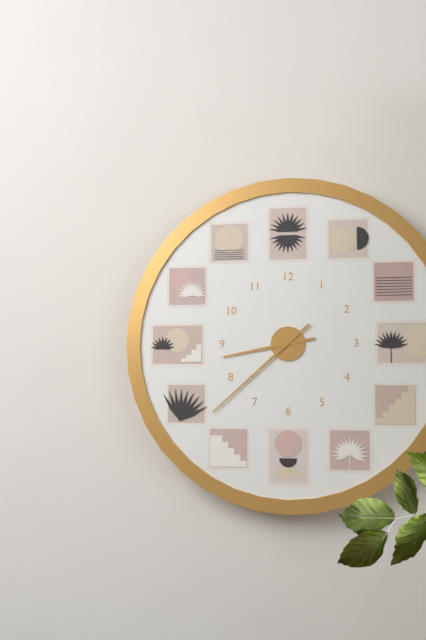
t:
**8:38**
